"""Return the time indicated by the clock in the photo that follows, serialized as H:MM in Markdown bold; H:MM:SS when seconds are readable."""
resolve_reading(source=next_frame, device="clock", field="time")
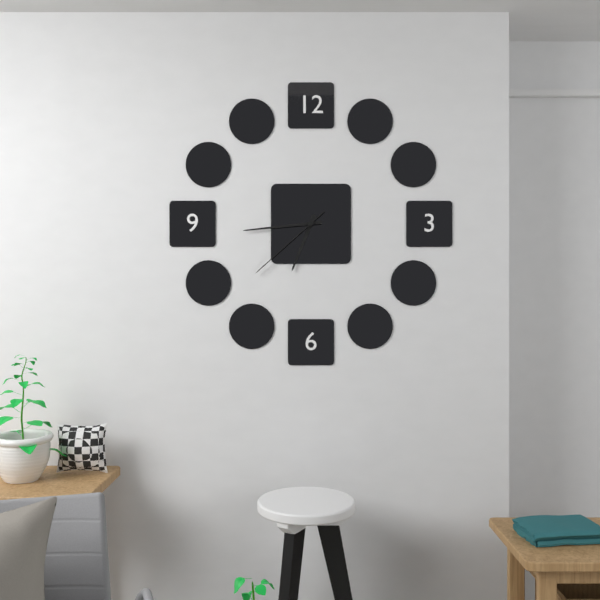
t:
**6:44:38**
